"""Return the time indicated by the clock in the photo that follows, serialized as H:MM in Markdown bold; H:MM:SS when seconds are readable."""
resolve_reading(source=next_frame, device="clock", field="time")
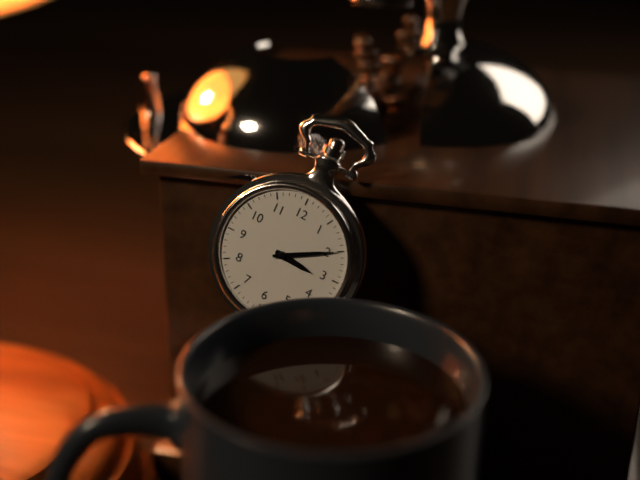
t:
**3:10**
